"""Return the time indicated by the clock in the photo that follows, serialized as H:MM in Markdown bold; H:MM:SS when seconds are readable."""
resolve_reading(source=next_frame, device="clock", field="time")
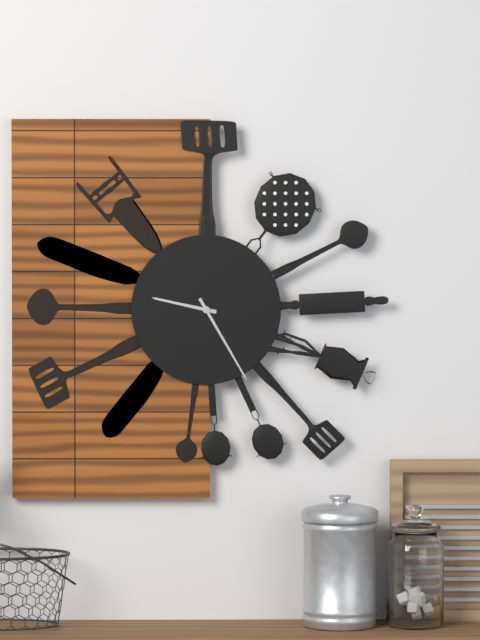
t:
**9:25**
